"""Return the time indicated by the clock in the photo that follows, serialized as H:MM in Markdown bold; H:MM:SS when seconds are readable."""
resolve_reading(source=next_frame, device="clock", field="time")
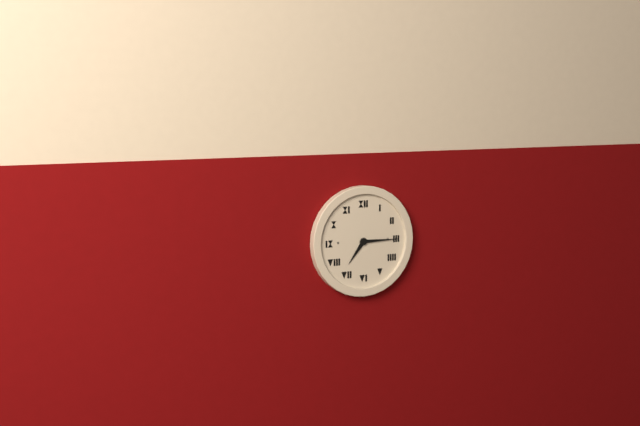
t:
**7:15**
